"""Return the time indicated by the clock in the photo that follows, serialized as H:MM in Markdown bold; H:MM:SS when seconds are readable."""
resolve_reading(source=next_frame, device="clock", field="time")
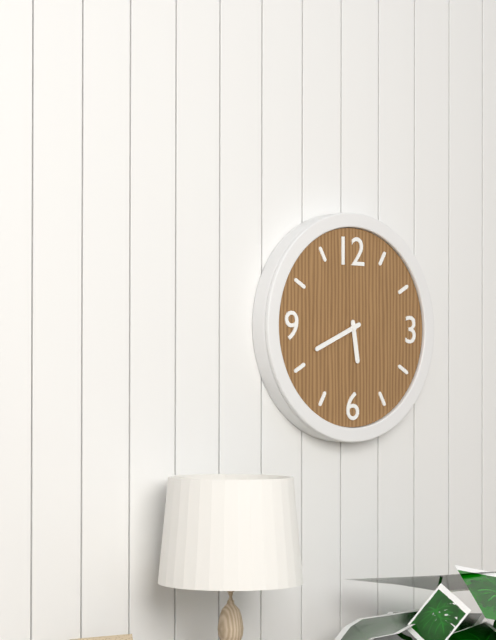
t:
**5:41**
